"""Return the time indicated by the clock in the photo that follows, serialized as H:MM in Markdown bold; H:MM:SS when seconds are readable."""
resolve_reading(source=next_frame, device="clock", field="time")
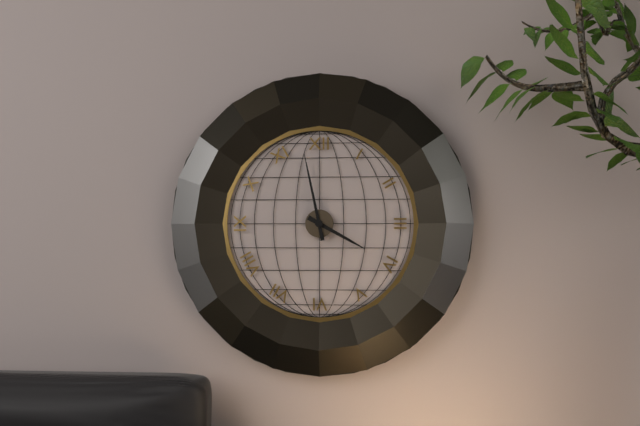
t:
**3:58**
